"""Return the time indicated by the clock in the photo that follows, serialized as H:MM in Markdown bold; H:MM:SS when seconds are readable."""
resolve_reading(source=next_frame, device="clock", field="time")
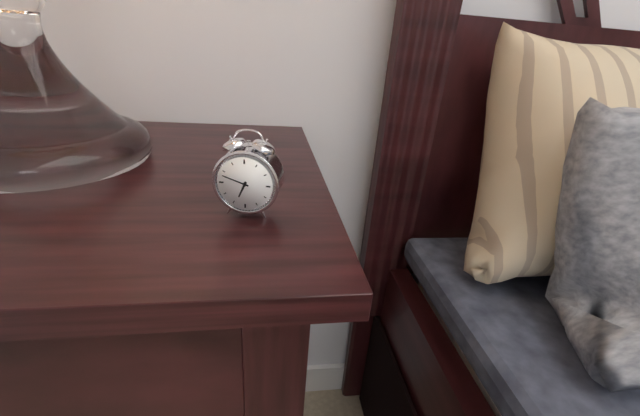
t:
**6:48**
